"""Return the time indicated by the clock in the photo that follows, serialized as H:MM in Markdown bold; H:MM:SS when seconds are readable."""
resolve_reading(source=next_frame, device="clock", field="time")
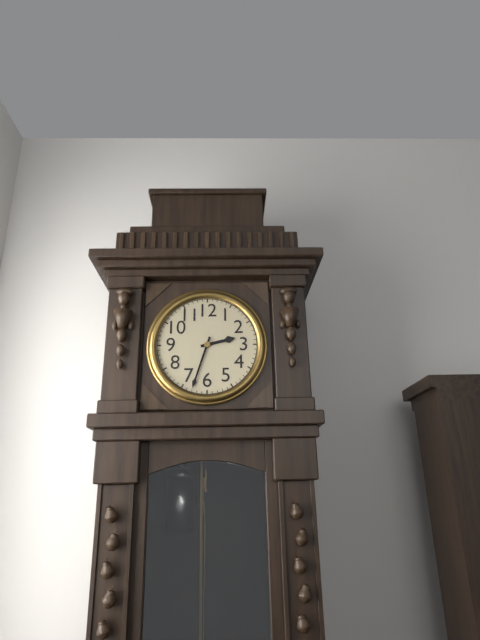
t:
**2:33**
